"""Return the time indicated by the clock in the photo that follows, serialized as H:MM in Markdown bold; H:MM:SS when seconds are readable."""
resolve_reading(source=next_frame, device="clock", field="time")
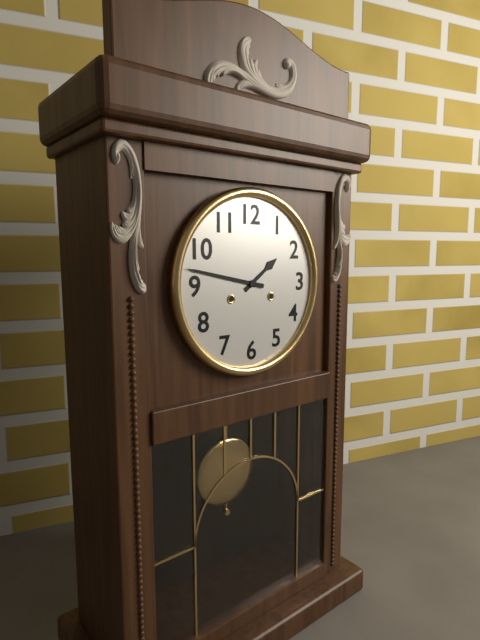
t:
**1:47**
